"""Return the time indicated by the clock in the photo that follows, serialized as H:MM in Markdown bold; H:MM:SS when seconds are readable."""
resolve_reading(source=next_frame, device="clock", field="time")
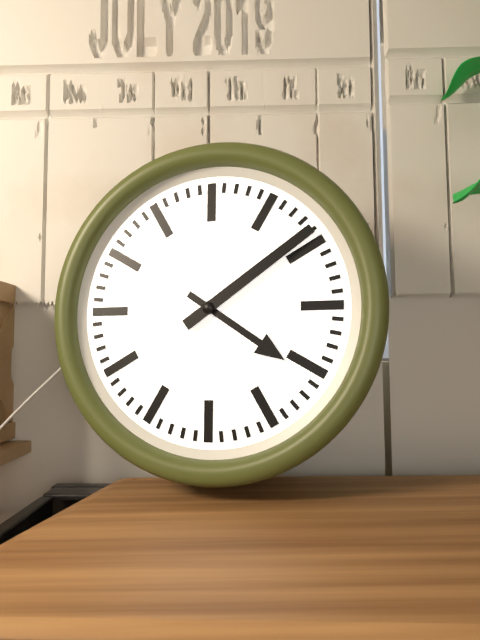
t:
**4:09**
